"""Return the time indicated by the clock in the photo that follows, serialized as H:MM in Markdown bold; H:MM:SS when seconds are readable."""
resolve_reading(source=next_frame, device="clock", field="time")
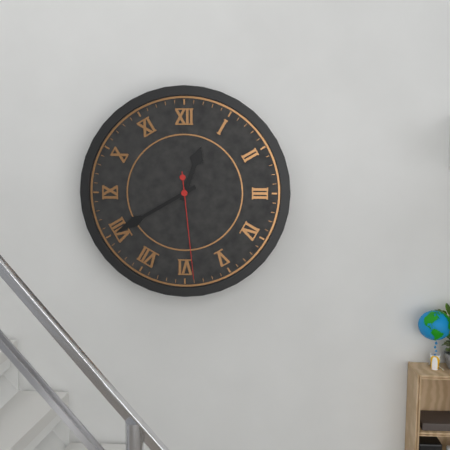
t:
**12:40:29**
